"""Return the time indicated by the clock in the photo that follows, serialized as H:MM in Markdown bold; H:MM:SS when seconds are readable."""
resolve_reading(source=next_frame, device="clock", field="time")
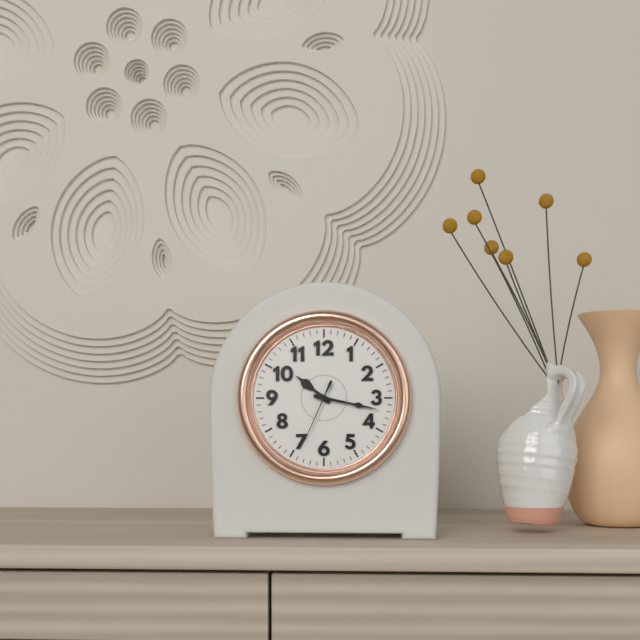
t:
**10:17:34**
